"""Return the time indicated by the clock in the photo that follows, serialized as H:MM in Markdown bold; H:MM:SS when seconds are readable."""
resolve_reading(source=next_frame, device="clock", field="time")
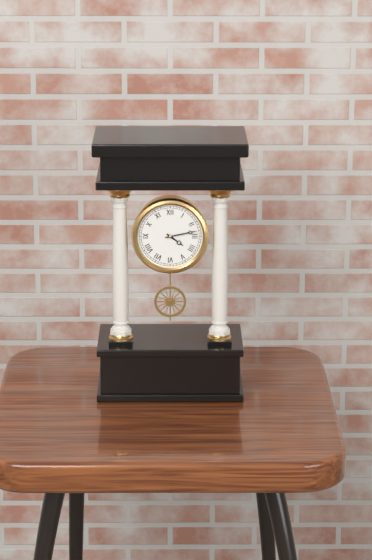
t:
**4:13**
